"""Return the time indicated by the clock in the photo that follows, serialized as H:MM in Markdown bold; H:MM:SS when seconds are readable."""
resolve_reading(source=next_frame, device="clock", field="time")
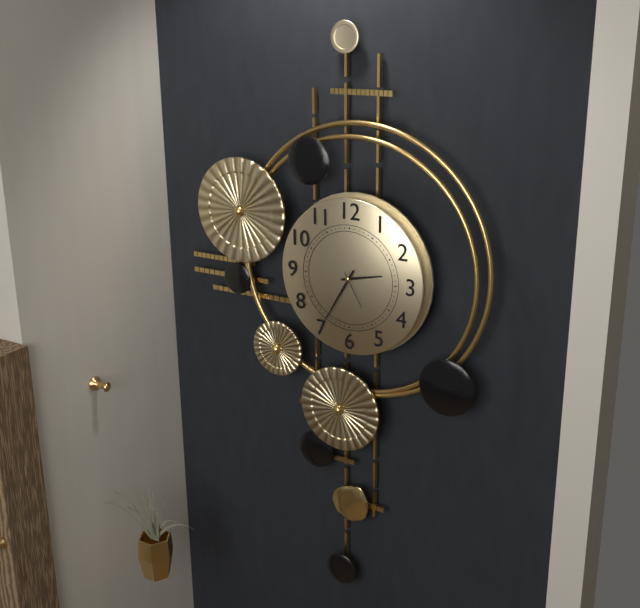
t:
**2:35**
